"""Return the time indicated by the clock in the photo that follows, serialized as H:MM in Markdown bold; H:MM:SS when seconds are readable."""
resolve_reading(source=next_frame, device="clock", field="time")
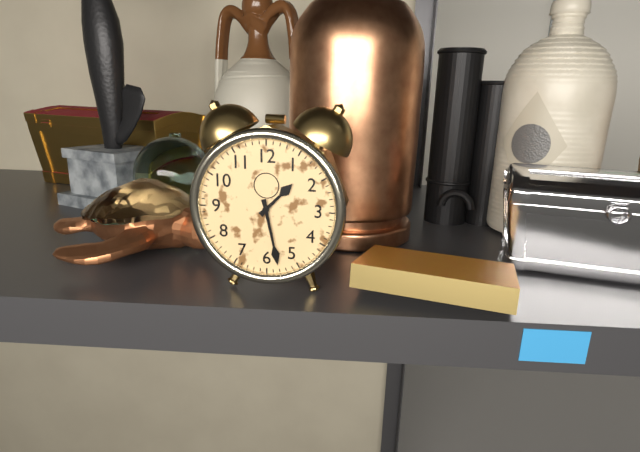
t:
**1:28**
